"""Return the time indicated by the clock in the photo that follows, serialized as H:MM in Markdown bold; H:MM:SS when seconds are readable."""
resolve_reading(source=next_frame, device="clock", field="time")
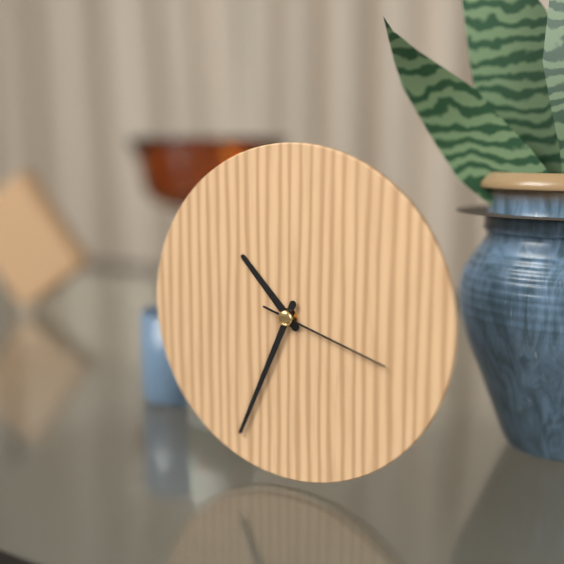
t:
**10:34:18**
